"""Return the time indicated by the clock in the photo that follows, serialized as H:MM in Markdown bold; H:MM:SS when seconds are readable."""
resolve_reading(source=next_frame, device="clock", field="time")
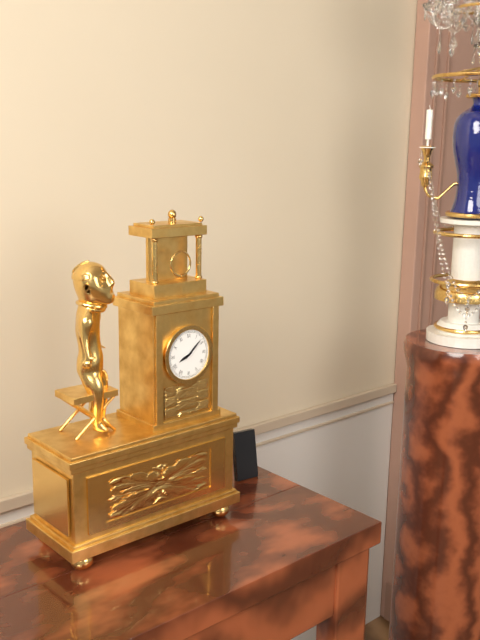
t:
**8:08**
